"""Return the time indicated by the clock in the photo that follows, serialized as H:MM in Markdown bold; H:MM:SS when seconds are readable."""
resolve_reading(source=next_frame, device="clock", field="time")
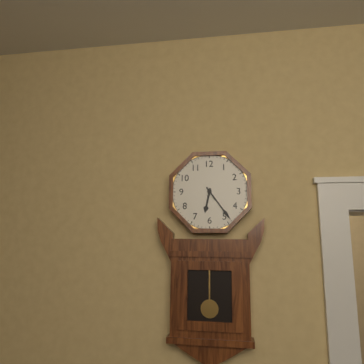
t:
**6:24**
